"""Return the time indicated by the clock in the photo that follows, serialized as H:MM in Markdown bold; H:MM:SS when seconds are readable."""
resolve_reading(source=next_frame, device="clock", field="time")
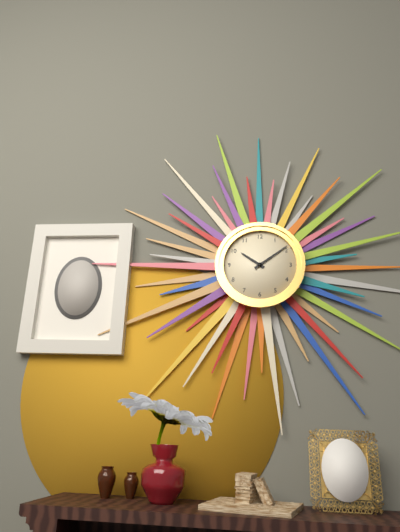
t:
**10:09**
